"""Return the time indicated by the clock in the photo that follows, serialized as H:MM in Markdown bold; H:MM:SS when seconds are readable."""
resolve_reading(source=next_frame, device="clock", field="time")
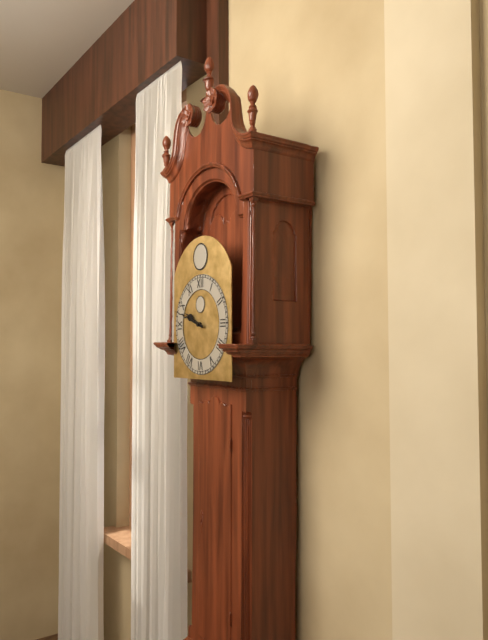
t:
**9:48**
